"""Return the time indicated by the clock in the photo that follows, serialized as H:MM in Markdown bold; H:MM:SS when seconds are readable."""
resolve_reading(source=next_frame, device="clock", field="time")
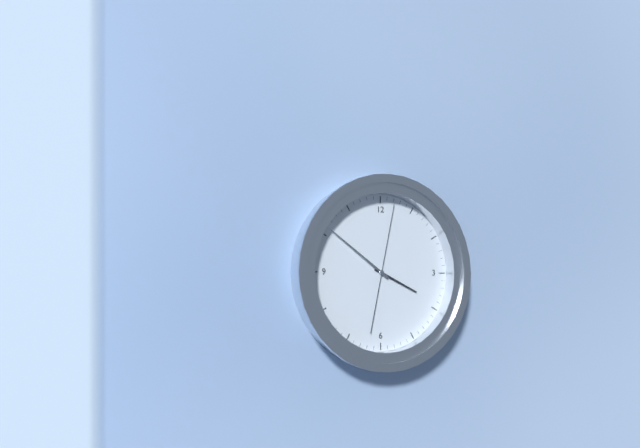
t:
**3:51:02**
